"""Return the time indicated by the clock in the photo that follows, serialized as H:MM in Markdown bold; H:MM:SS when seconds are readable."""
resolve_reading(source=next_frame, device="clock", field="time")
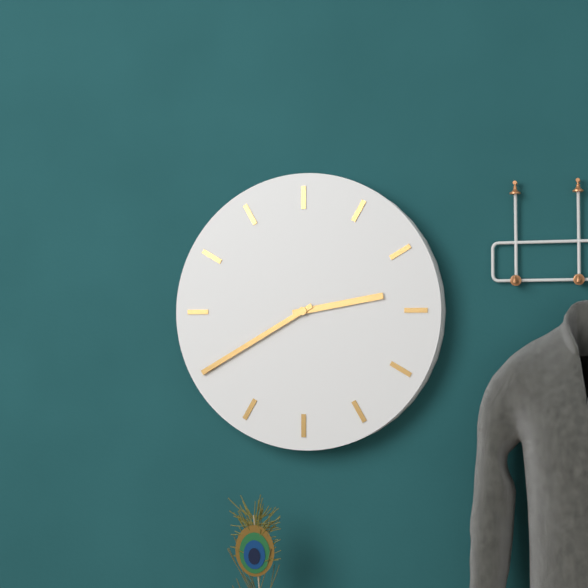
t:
**2:40**
